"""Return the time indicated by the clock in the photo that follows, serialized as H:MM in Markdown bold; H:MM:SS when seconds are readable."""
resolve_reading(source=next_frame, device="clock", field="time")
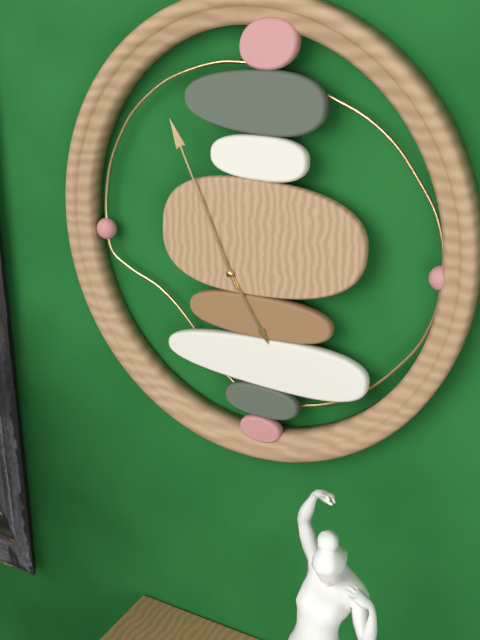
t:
**4:56**
